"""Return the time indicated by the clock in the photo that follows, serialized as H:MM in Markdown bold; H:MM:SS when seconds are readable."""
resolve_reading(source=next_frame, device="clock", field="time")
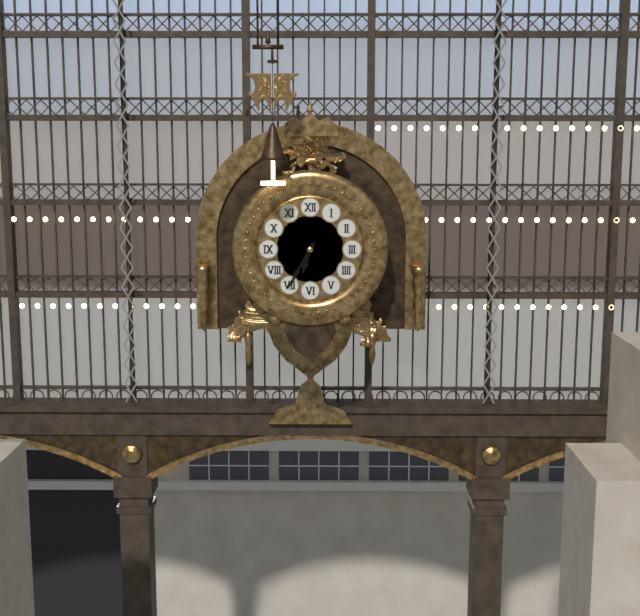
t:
**6:35**
